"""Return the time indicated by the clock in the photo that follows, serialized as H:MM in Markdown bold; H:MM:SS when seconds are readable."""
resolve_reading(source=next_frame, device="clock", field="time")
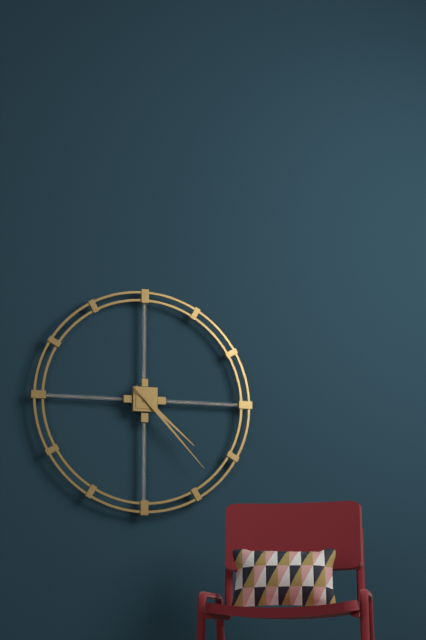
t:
**4:23**
